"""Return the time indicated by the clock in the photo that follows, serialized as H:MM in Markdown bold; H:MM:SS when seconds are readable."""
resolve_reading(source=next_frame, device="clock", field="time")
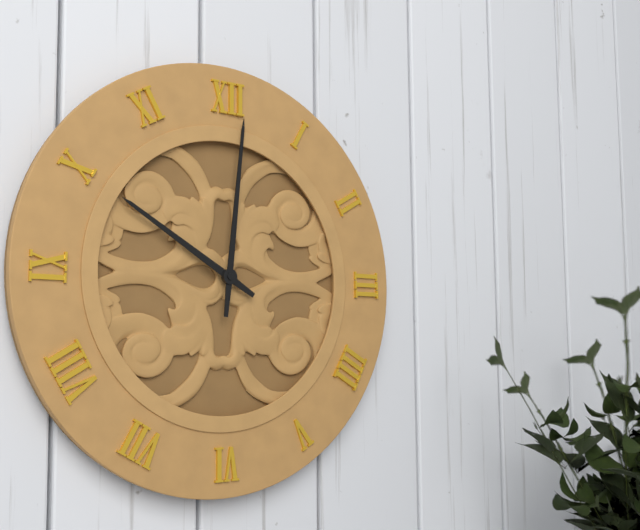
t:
**10:01**
